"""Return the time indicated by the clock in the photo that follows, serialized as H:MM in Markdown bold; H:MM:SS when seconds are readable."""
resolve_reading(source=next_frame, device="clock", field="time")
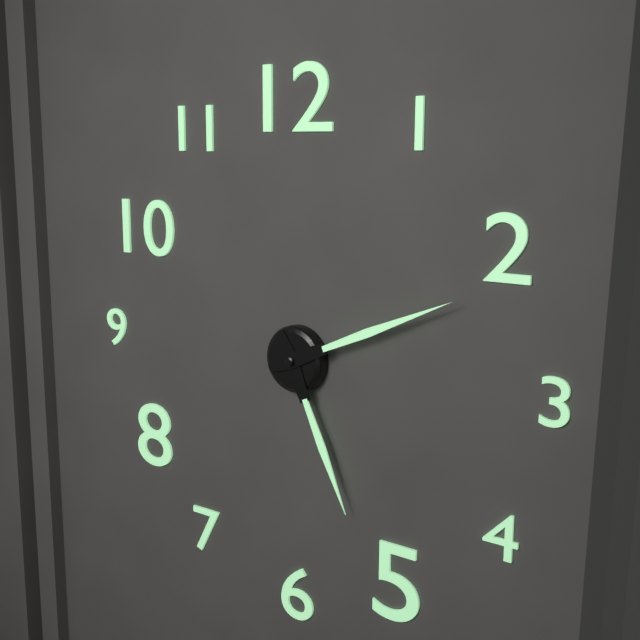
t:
**5:11**
